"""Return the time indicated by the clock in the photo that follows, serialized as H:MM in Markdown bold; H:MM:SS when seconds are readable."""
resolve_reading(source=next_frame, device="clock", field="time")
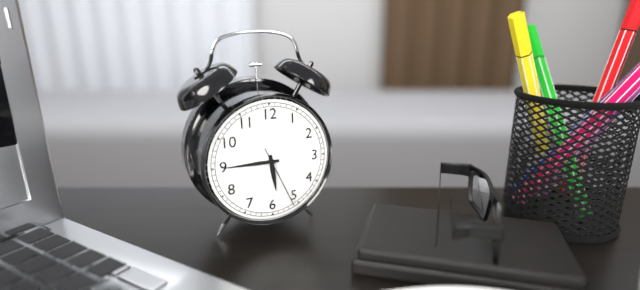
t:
**5:45:26**
